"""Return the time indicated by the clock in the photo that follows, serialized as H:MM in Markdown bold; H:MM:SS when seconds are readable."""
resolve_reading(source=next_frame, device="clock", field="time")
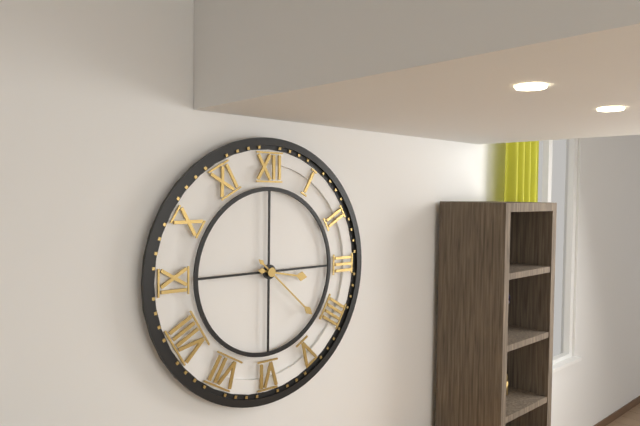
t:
**3:22**
